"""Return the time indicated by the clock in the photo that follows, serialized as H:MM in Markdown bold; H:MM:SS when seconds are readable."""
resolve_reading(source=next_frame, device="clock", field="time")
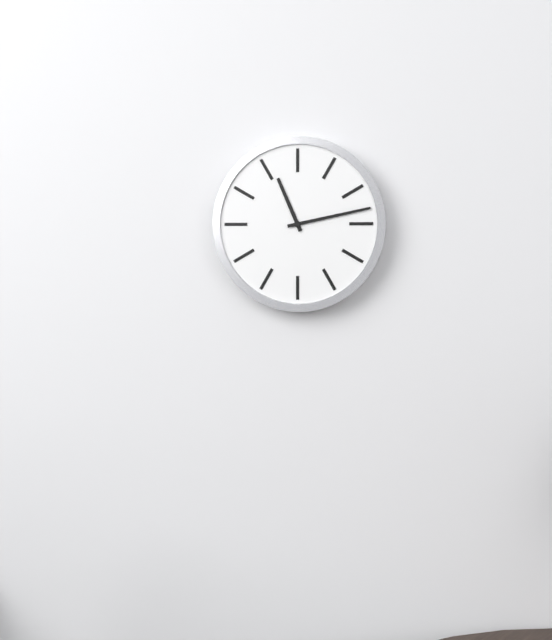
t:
**11:13**
